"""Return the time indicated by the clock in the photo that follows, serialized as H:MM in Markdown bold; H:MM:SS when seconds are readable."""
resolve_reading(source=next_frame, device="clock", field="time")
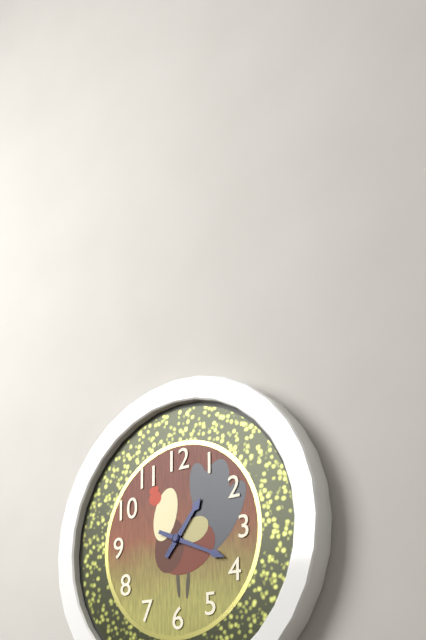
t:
**1:19**
